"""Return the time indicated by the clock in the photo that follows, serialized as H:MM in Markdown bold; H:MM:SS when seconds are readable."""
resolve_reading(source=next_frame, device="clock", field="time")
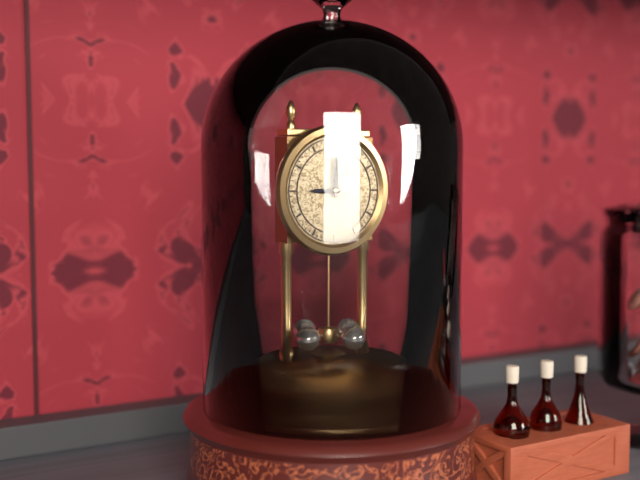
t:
**9:00**
